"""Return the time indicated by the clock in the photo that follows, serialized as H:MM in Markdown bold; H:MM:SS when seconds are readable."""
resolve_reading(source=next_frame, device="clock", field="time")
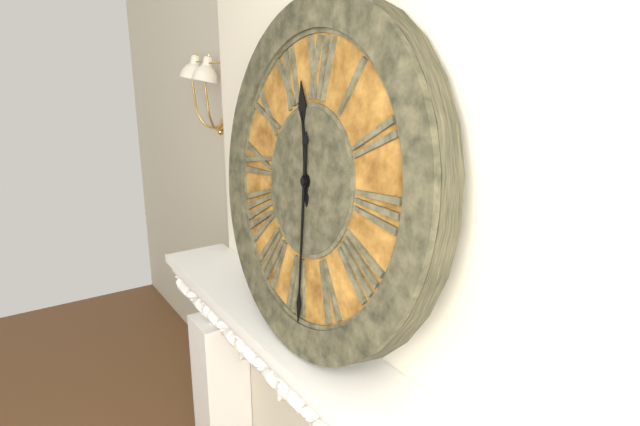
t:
**11:29**
